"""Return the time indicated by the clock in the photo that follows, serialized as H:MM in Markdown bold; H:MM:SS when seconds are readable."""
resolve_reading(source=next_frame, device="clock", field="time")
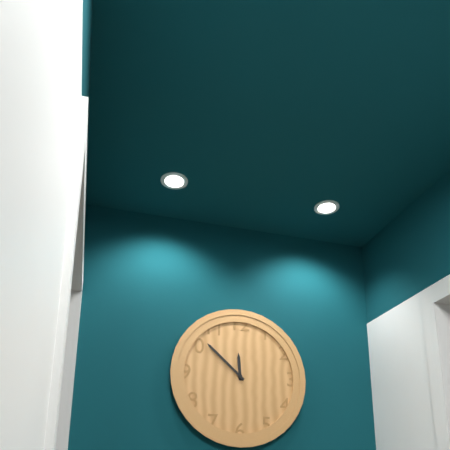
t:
**11:52**
